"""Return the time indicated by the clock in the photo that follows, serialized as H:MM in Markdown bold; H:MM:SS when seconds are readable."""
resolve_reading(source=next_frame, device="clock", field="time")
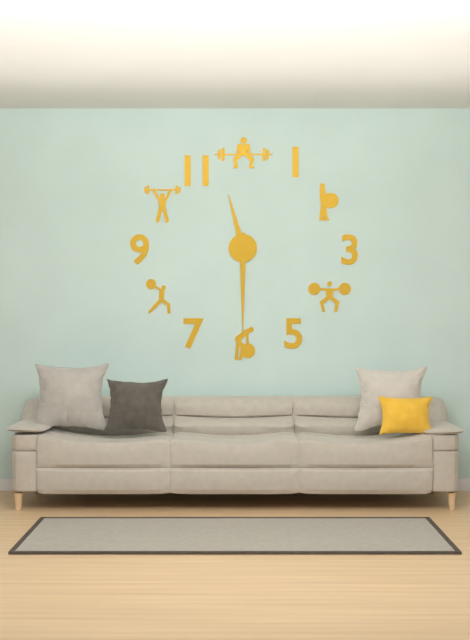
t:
**11:30**
